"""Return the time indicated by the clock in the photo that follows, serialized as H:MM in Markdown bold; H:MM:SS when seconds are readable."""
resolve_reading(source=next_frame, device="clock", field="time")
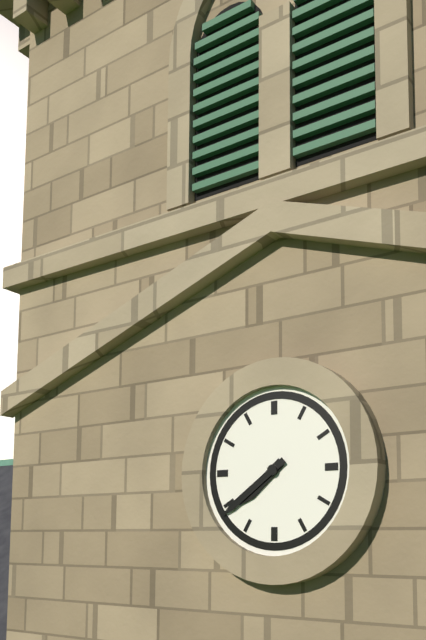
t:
**7:39**
